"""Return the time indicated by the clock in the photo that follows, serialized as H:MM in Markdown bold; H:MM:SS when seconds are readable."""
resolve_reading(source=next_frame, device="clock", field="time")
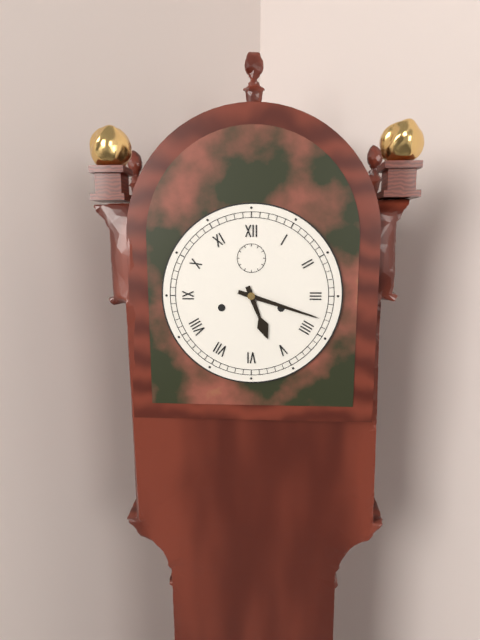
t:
**5:18**
